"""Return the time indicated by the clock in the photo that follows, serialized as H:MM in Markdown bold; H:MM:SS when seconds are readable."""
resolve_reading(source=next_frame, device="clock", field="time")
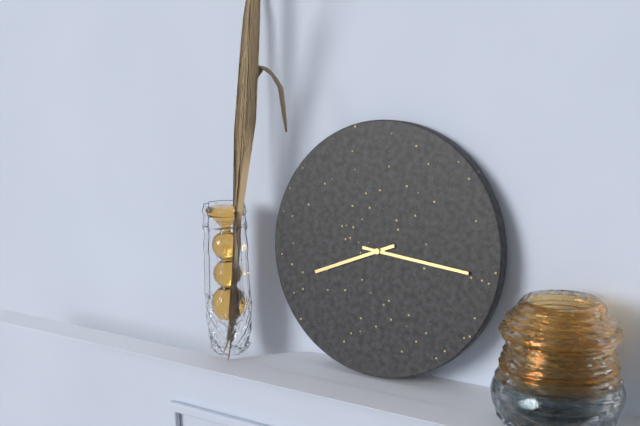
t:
**8:16**
